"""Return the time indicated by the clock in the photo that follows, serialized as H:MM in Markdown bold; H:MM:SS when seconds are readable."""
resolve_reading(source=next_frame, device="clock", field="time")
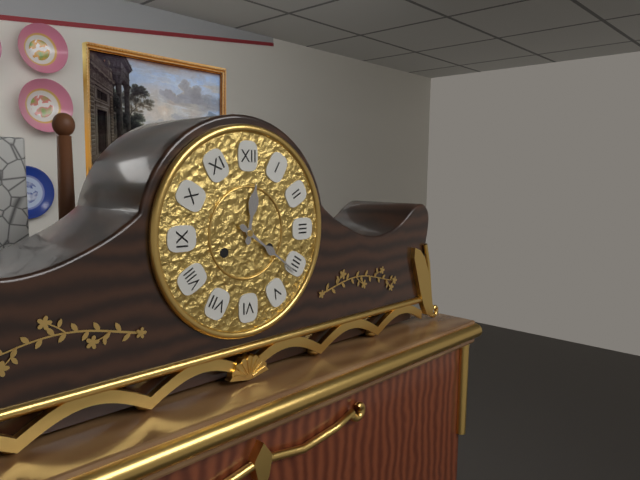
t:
**12:21**
